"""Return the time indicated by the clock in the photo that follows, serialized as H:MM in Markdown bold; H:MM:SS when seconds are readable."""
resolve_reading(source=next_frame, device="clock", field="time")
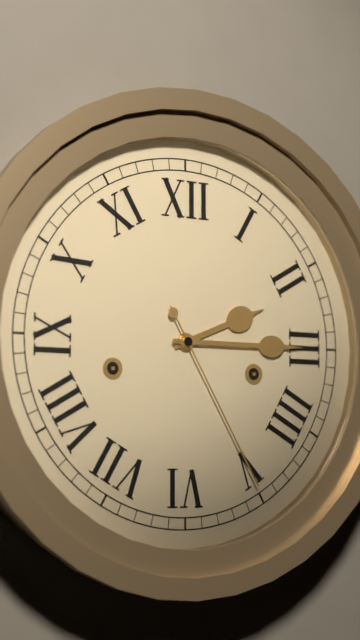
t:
**2:15:25**
